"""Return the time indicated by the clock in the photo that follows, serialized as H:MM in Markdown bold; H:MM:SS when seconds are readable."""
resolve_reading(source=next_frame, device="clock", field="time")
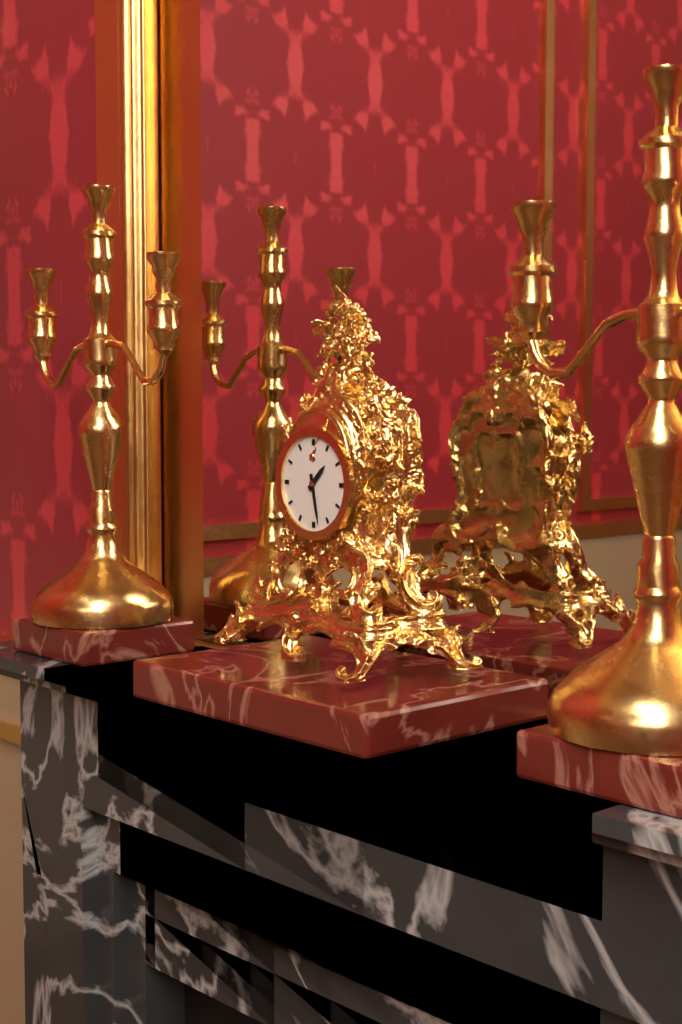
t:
**1:28**
